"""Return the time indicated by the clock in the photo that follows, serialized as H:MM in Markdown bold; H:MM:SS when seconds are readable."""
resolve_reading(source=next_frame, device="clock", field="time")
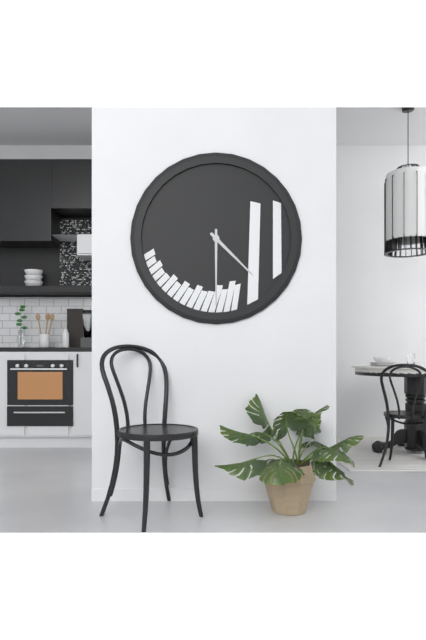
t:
**4:30**
